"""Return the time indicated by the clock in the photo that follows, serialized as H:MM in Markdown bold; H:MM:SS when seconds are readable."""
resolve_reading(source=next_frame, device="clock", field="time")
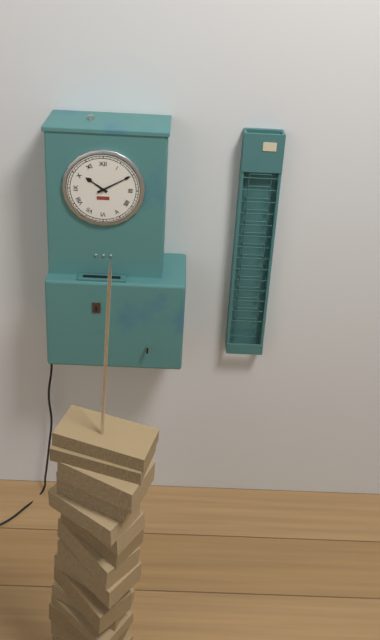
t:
**10:10**
